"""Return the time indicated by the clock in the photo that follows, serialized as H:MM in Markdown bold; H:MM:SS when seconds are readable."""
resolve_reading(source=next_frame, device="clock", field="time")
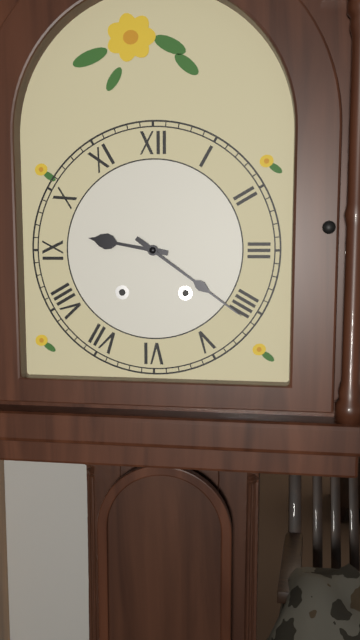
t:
**9:21**
